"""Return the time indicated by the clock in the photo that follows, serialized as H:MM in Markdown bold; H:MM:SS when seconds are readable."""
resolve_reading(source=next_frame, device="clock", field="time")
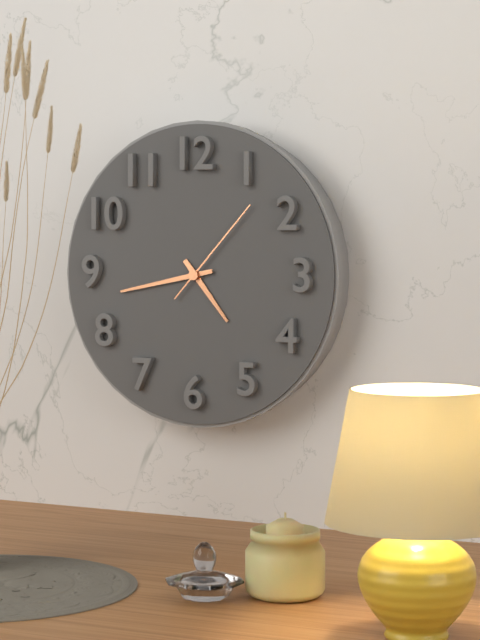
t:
**4:43:07**
